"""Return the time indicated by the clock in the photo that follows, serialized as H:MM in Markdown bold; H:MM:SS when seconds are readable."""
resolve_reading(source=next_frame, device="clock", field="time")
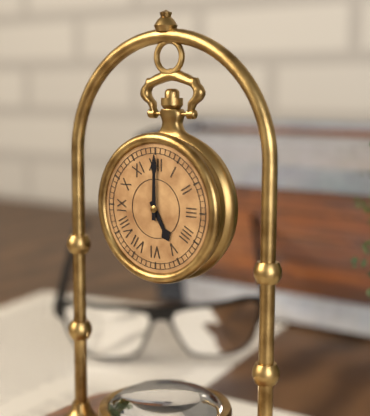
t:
**5:00**
